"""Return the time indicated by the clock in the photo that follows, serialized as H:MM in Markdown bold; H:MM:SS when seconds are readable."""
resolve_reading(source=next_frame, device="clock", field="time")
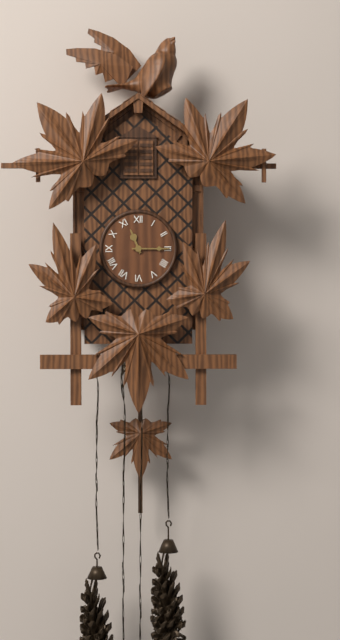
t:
**11:15**
